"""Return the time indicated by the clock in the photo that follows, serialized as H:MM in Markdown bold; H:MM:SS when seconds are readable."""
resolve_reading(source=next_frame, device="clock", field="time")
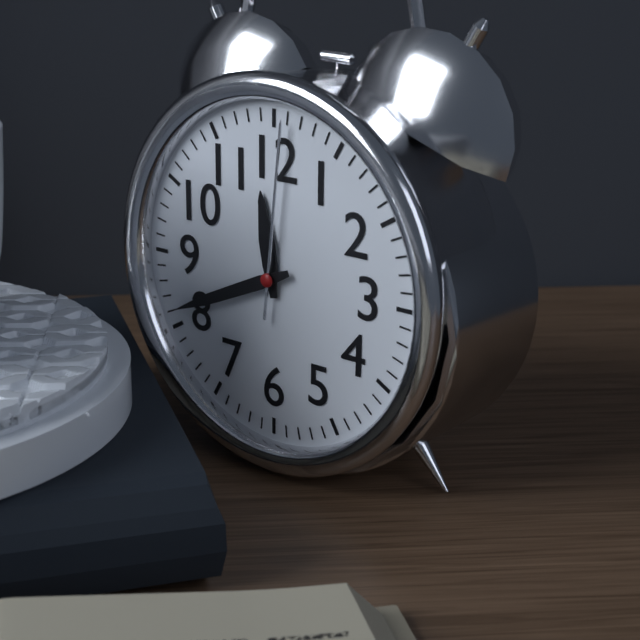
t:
**11:41:01**
